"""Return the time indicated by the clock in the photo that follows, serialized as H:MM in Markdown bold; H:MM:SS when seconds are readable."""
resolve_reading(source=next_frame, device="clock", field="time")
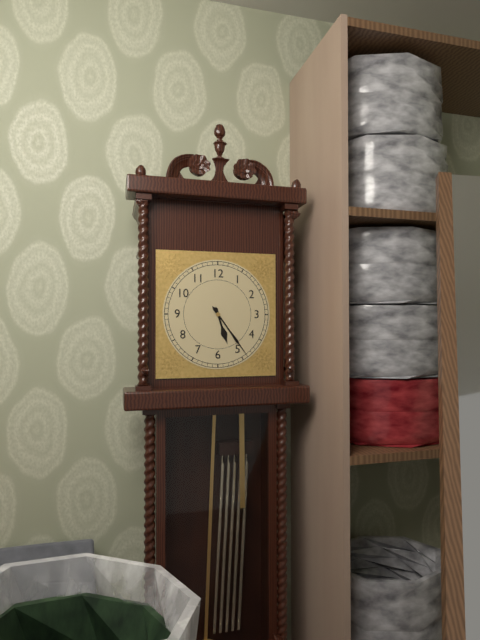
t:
**5:24**
